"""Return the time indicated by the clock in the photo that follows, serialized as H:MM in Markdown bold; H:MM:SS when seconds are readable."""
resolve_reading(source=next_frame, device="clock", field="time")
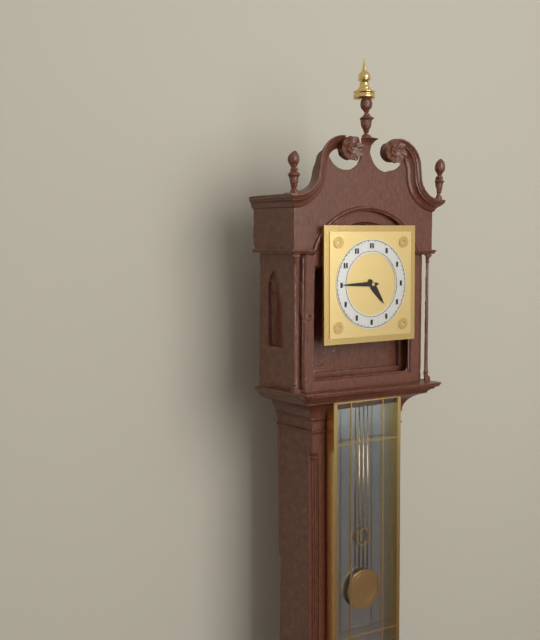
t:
**4:45**
